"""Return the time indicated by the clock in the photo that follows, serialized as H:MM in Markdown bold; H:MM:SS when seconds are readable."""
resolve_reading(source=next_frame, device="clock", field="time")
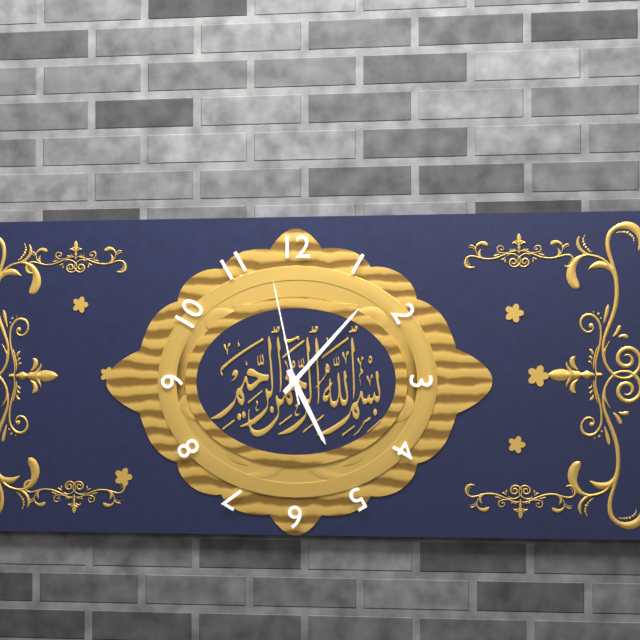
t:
**5:07:58**
